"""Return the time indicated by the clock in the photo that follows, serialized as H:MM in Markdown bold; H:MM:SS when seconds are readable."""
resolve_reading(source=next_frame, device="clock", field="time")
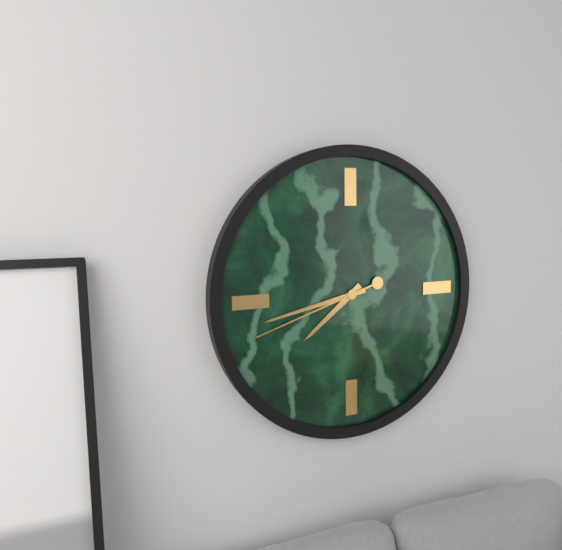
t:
**7:43:42**
